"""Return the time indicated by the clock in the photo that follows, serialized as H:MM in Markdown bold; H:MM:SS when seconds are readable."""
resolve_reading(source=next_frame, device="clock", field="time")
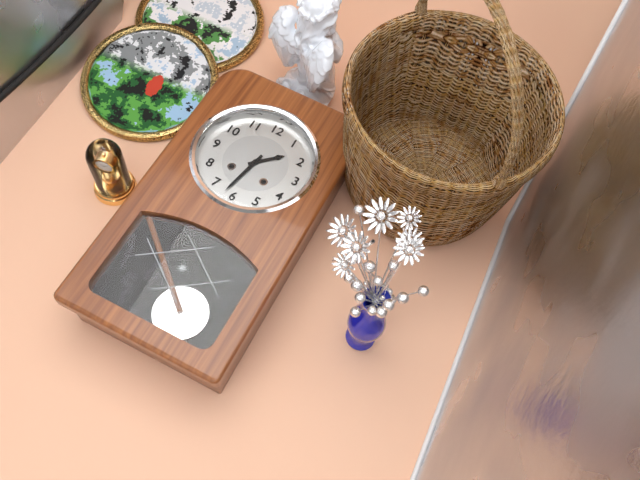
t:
**1:32**
